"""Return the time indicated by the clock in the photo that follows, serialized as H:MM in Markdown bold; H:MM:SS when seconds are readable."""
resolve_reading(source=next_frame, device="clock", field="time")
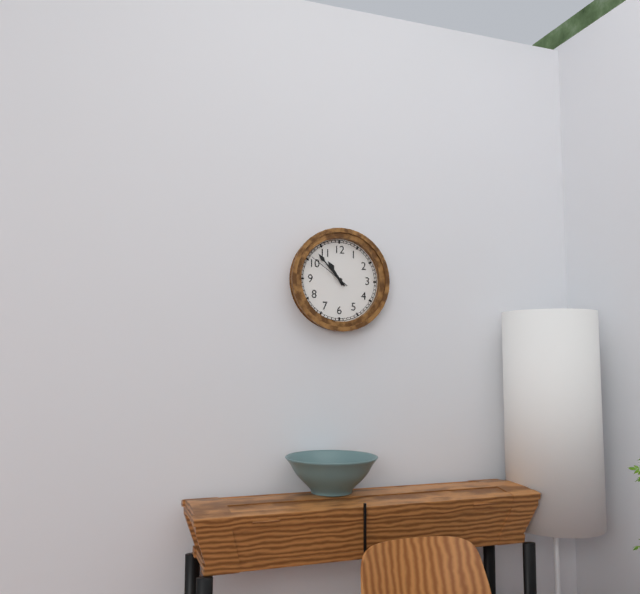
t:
**10:53**
